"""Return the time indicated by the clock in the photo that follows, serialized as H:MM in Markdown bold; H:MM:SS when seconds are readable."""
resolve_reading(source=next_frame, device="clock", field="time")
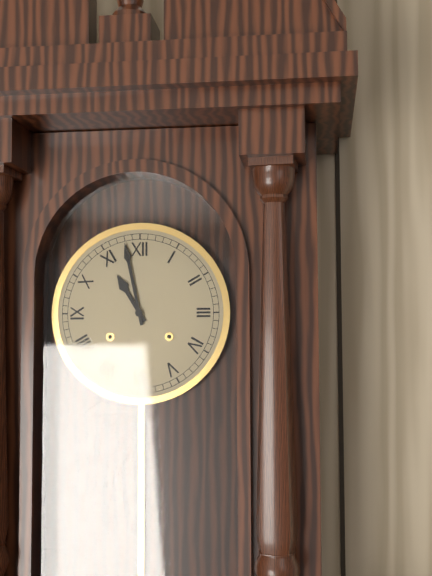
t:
**10:58**
